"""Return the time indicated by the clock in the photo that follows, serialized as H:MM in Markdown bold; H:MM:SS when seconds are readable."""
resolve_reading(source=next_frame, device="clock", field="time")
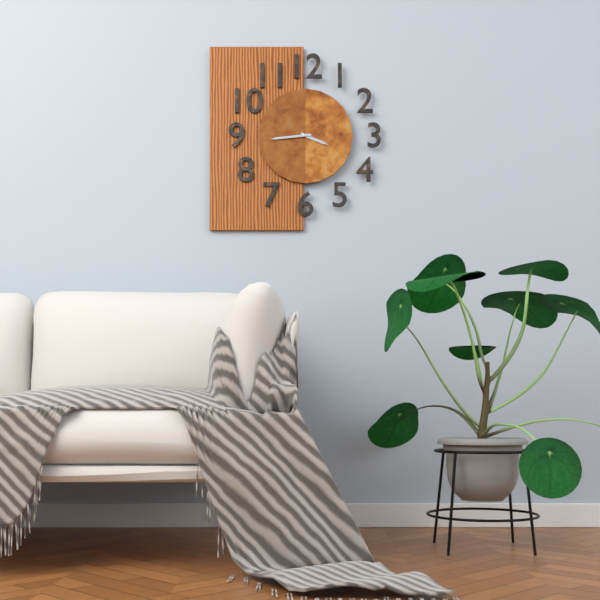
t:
**3:44**
